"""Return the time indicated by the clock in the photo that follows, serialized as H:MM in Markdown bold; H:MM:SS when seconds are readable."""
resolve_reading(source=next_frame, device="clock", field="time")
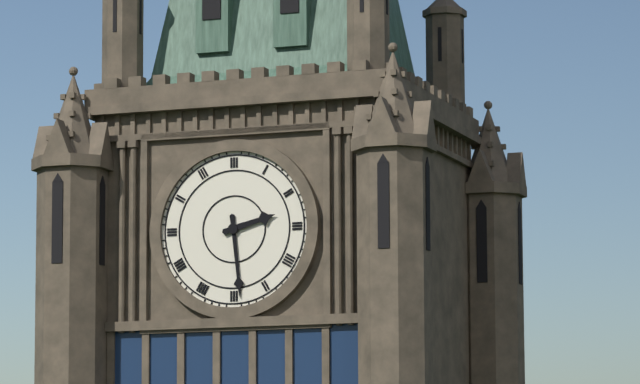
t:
**2:29**
